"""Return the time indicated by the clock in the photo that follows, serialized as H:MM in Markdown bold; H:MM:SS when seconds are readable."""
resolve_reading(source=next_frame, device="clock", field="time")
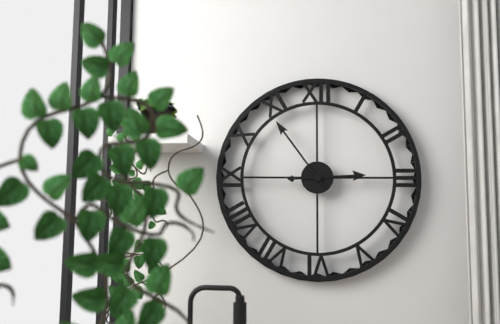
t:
**2:54**
